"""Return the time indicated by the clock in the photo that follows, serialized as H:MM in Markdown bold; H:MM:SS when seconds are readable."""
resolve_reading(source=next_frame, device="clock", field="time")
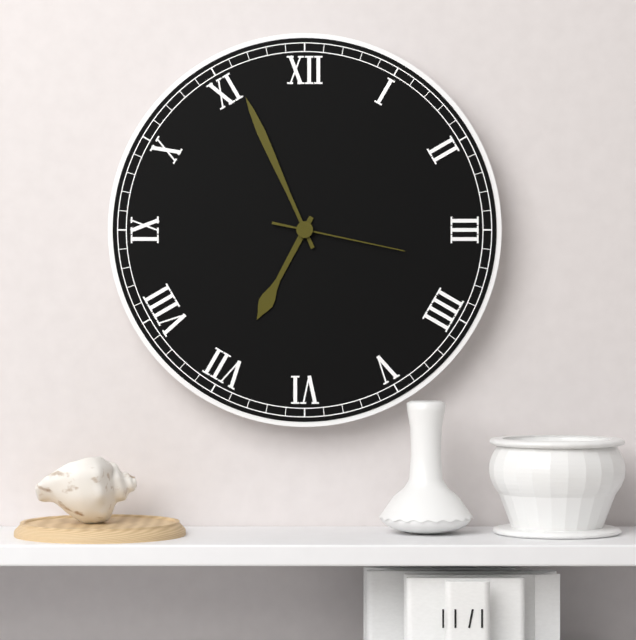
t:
**6:56:17**
